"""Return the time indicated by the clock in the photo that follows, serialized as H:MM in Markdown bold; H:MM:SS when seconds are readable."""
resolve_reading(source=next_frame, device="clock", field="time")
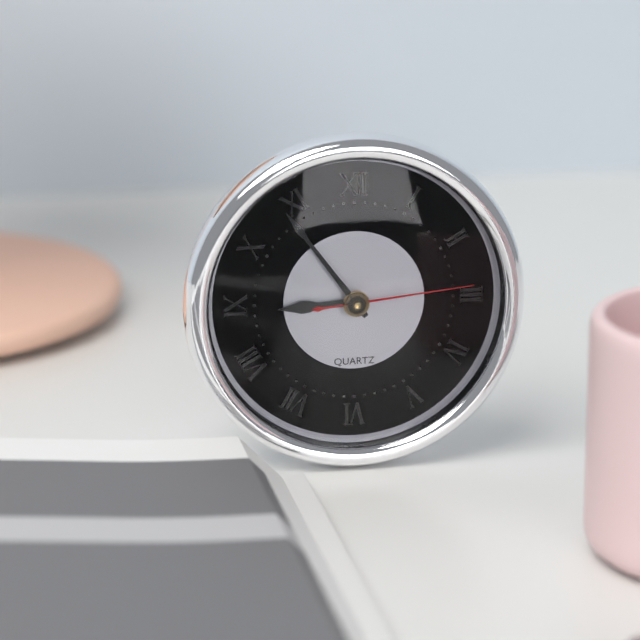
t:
**8:54:14**
